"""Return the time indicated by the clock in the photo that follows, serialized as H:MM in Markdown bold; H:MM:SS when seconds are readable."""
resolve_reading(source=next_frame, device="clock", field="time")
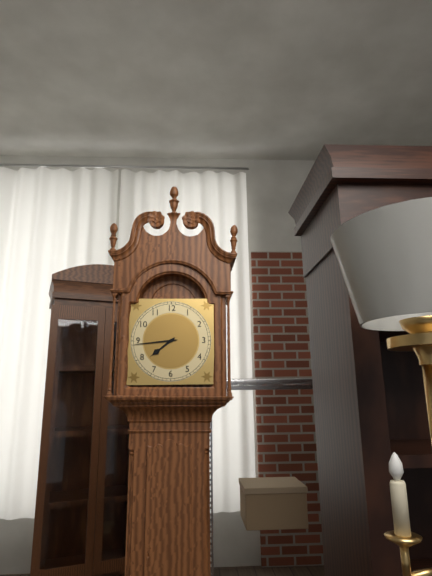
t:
**7:44**
